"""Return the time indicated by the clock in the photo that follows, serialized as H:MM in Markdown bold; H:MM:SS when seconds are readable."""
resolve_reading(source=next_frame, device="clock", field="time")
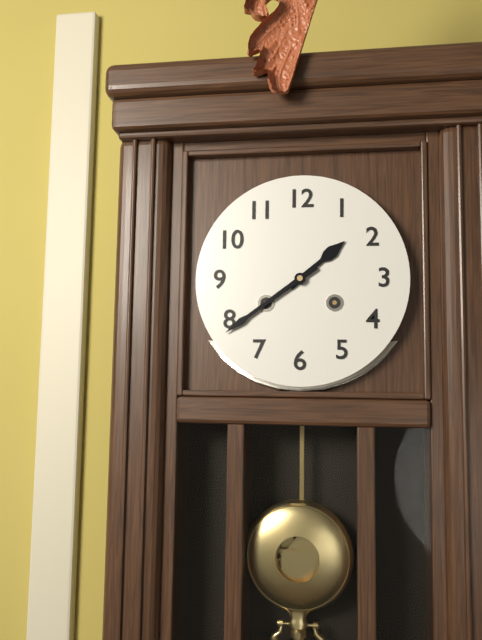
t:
**1:39**
